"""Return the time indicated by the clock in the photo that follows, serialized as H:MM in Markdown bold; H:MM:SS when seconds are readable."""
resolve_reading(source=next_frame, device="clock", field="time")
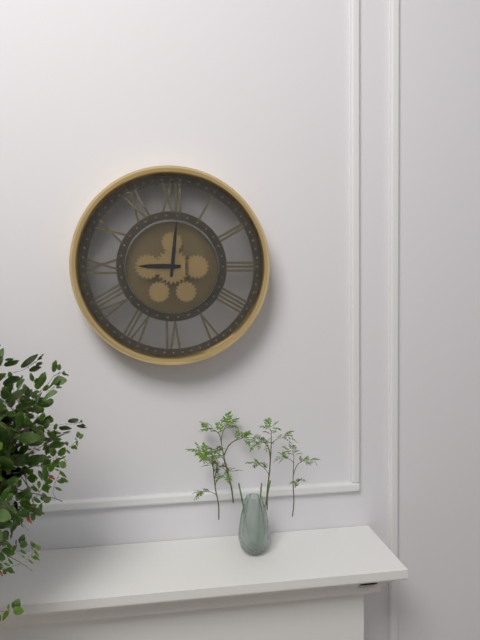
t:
**9:01**
